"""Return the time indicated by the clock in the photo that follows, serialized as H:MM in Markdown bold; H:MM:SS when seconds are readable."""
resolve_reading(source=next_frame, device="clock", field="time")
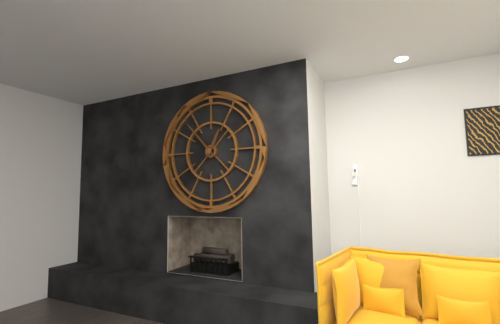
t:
**12:53**
